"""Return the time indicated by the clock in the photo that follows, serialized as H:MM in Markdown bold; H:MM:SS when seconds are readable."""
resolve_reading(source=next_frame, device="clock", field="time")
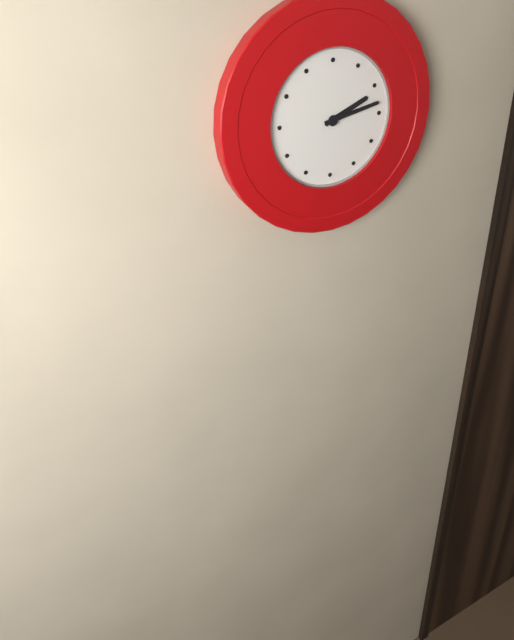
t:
**2:13**
